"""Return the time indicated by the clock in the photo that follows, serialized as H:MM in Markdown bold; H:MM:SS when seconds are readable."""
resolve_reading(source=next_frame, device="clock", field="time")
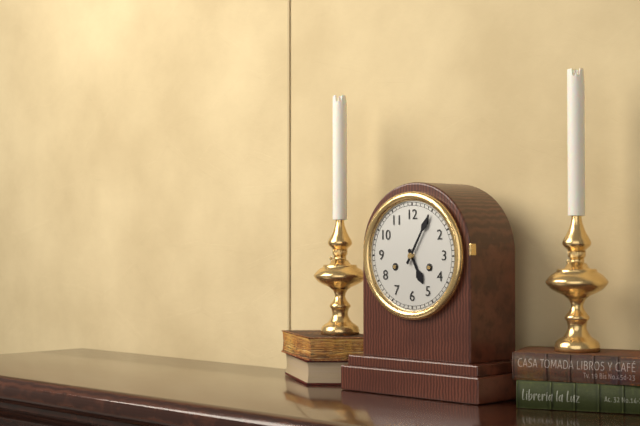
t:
**5:05**
